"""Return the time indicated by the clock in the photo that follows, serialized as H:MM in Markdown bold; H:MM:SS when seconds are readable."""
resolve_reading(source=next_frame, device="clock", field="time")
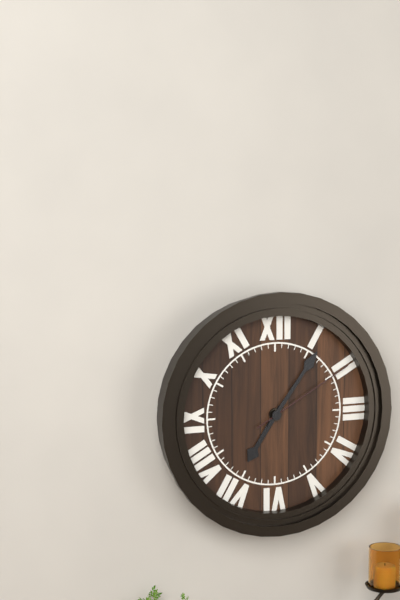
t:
**7:06:10**
